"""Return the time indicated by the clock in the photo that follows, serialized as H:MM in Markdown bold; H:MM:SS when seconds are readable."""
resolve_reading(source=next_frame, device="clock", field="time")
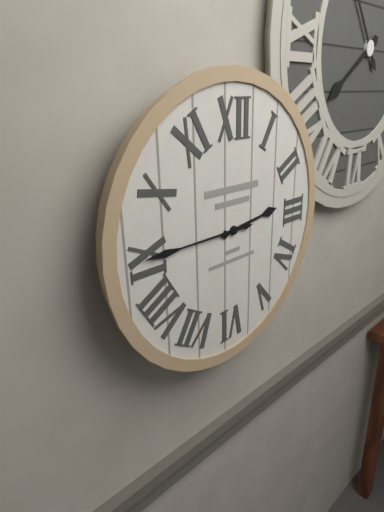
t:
**2:45**
